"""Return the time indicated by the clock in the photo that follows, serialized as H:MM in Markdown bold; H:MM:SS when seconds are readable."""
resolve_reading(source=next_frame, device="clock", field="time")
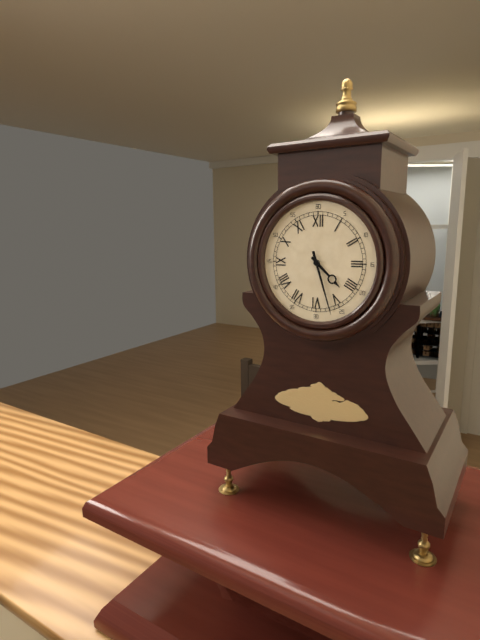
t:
**4:27**
